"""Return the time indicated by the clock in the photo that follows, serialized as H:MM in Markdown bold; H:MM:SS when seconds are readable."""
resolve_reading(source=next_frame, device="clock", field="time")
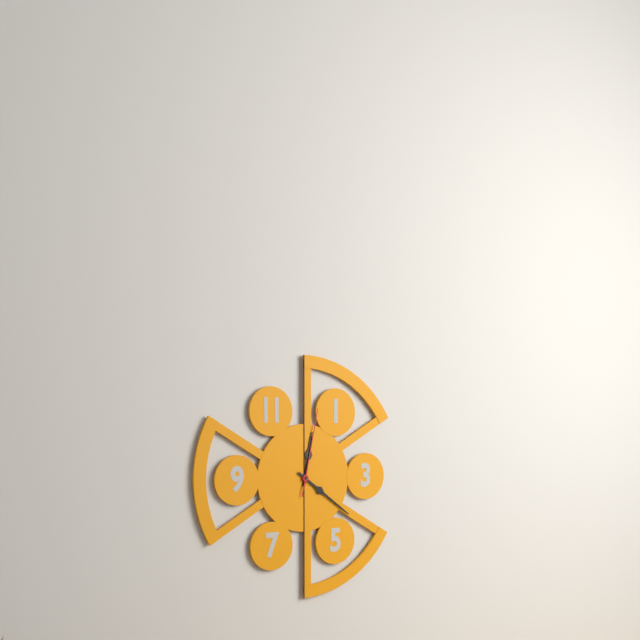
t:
**12:21:02**
